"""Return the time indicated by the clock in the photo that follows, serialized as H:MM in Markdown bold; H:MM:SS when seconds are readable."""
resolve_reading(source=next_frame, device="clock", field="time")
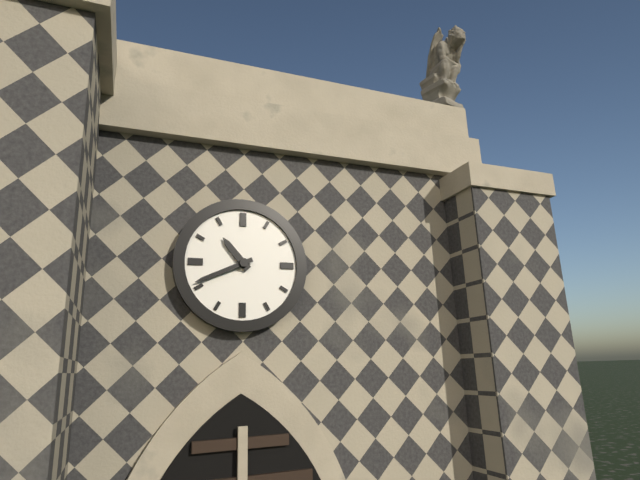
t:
**10:41**
